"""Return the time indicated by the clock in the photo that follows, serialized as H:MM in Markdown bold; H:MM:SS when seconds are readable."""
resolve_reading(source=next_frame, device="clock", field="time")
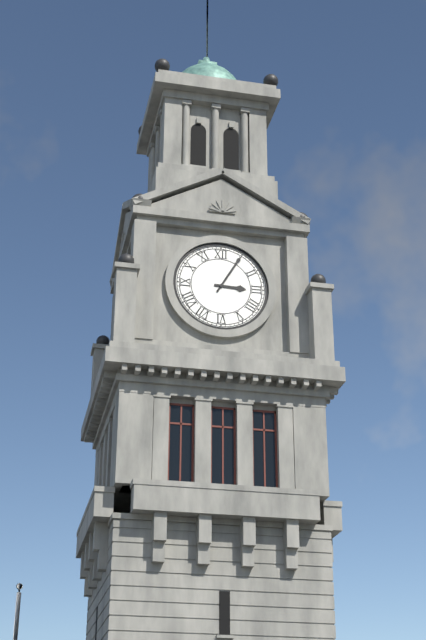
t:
**3:05**
